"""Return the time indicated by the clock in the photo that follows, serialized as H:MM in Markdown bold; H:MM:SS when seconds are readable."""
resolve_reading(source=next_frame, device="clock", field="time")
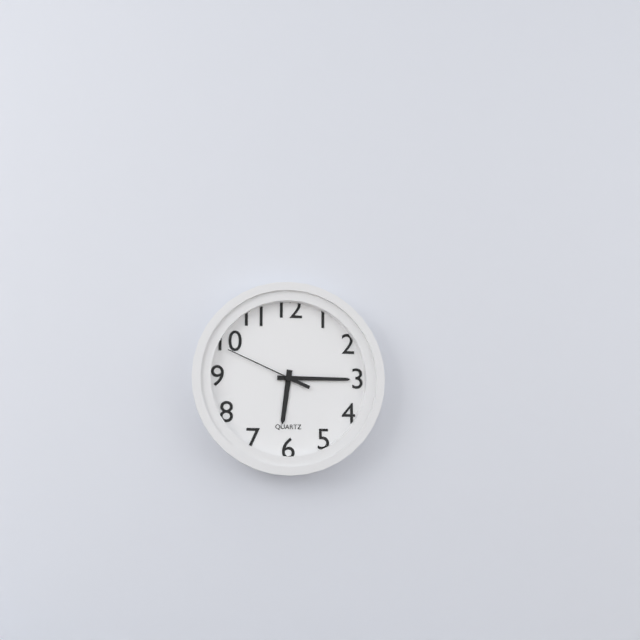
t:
**6:15:49**
